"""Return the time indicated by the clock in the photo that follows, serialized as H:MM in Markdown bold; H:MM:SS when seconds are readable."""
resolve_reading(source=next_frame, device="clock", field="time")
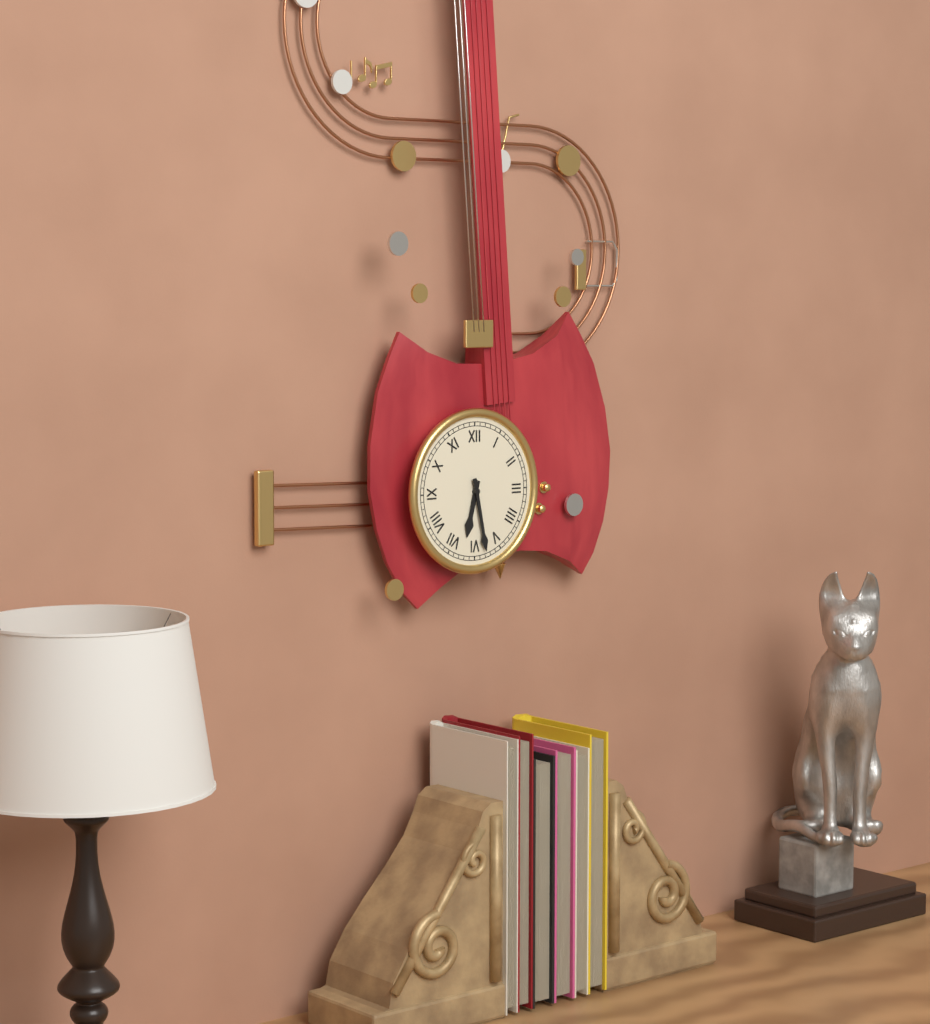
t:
**6:28**
